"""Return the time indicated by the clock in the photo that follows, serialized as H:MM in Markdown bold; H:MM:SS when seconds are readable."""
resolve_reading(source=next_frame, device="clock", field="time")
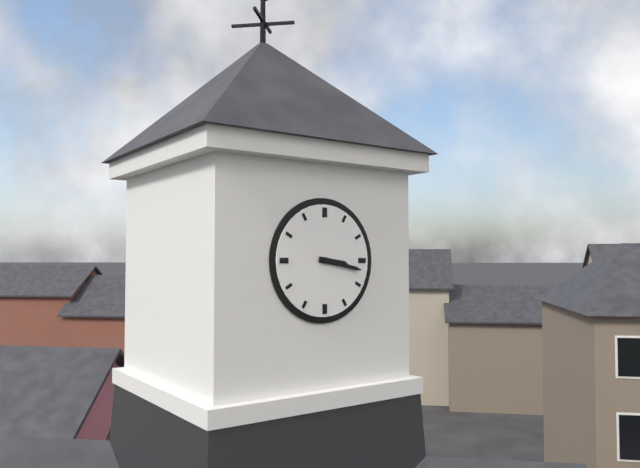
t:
**3:17**
